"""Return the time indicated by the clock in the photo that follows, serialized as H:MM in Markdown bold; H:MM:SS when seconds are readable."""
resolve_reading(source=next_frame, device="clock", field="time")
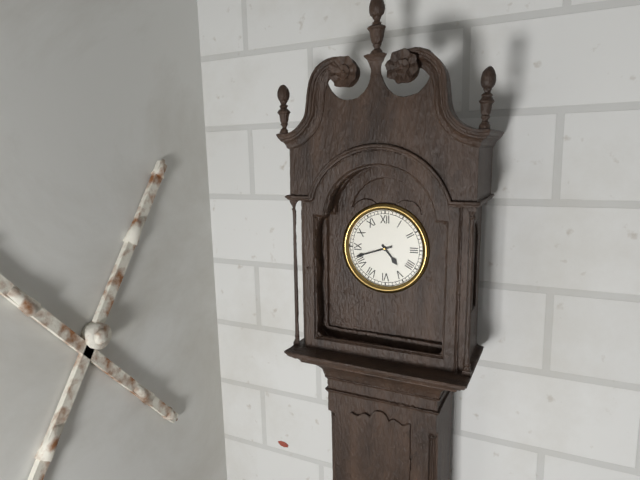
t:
**4:42**
